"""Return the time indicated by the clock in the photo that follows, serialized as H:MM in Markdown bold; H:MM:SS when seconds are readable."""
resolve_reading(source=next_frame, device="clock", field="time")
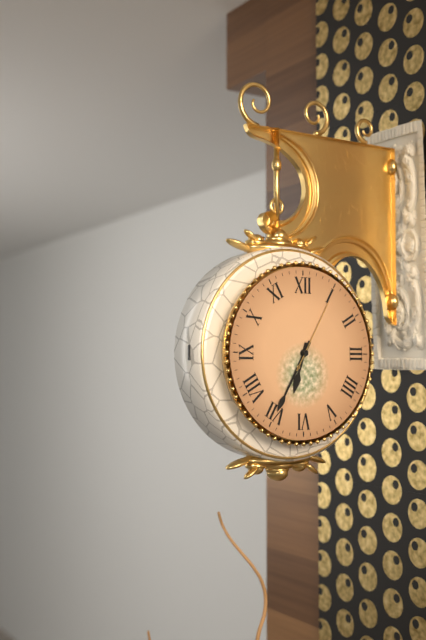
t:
**6:35:05**
